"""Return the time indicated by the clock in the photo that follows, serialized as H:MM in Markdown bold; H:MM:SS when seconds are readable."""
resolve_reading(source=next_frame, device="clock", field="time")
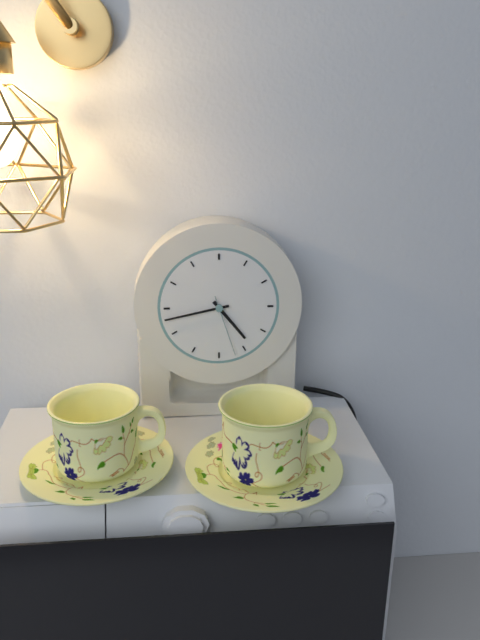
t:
**4:43:27**
